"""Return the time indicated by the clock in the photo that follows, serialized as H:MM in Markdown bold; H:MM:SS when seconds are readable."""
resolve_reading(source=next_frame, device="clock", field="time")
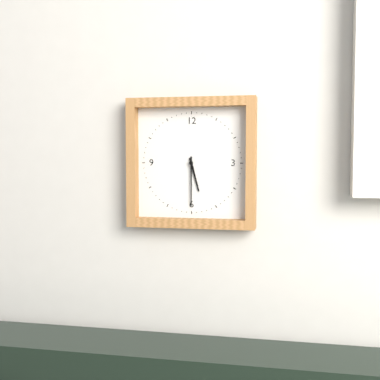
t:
**5:30**
